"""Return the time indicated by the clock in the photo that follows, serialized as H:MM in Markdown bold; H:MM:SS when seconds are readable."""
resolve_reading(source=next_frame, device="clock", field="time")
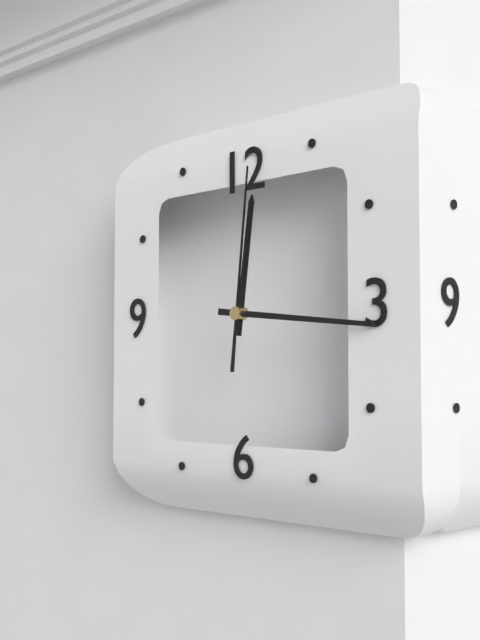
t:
**12:16:01**
